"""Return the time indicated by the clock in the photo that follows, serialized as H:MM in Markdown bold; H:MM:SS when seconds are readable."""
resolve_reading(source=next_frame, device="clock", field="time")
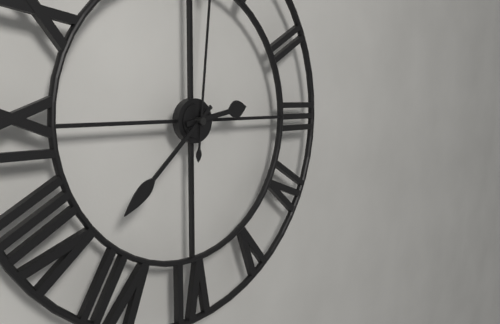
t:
**2:38**
